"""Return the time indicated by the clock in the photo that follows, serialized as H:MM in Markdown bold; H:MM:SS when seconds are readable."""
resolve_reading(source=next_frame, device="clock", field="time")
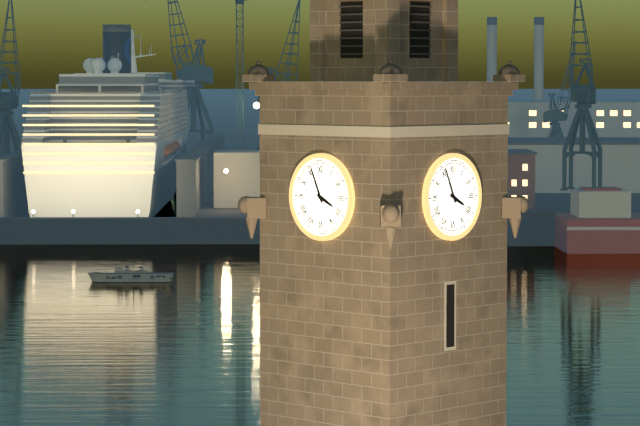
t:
**3:56**
